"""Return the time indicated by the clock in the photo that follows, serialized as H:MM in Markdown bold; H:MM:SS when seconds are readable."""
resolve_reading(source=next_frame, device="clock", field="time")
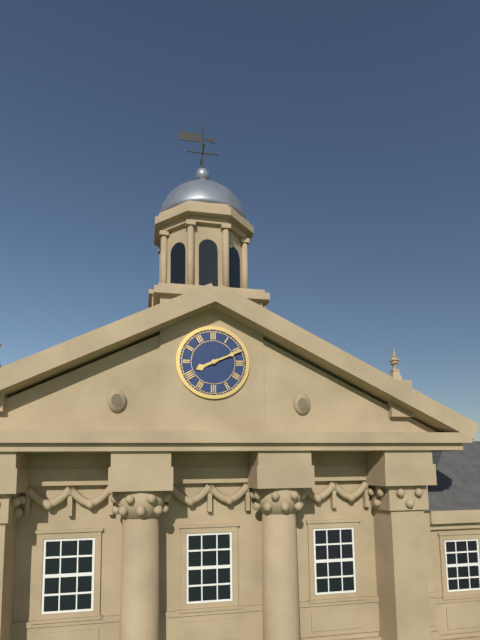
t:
**8:11**
